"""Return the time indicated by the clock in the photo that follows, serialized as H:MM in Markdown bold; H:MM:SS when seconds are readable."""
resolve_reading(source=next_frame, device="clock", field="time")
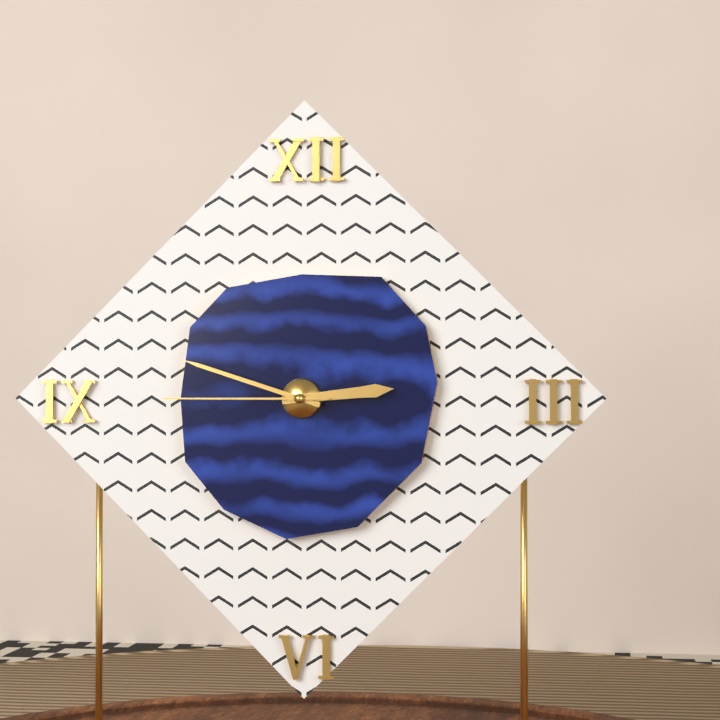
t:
**2:48:45**
